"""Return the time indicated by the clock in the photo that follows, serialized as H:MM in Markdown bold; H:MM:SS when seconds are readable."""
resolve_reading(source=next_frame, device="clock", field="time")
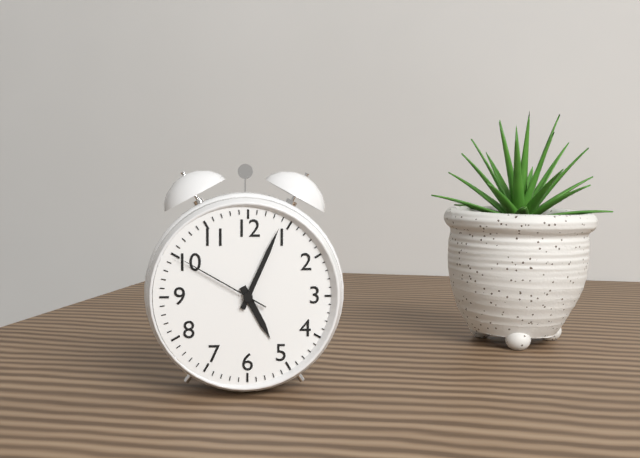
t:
**5:04:50**
